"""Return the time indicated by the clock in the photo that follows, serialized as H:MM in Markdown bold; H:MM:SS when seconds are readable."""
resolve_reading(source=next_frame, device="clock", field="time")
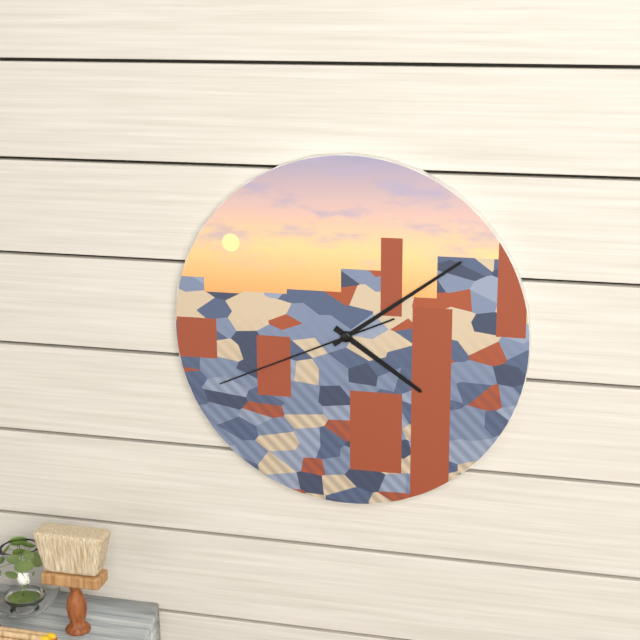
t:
**4:09:41**
